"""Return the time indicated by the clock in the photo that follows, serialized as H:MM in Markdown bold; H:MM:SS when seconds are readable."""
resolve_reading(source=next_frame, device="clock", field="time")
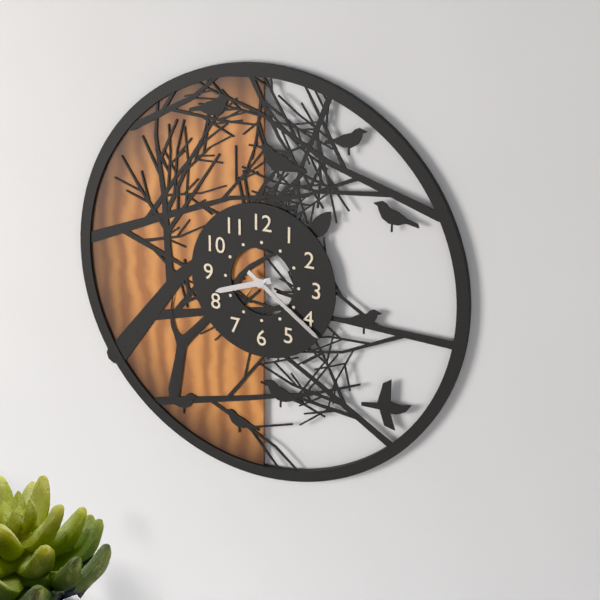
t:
**8:21**
